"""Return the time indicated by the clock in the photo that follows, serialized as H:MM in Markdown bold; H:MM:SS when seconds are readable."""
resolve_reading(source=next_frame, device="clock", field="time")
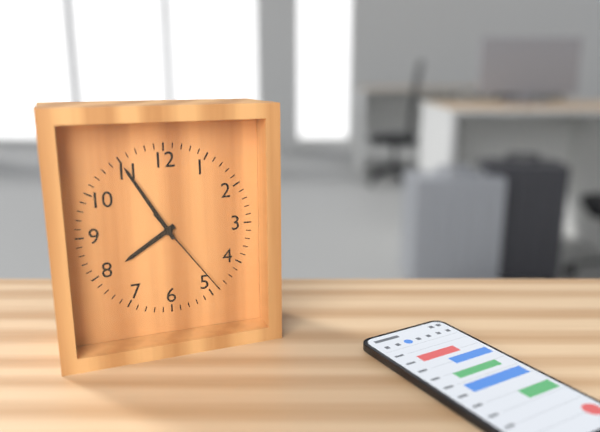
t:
**7:55:24**
